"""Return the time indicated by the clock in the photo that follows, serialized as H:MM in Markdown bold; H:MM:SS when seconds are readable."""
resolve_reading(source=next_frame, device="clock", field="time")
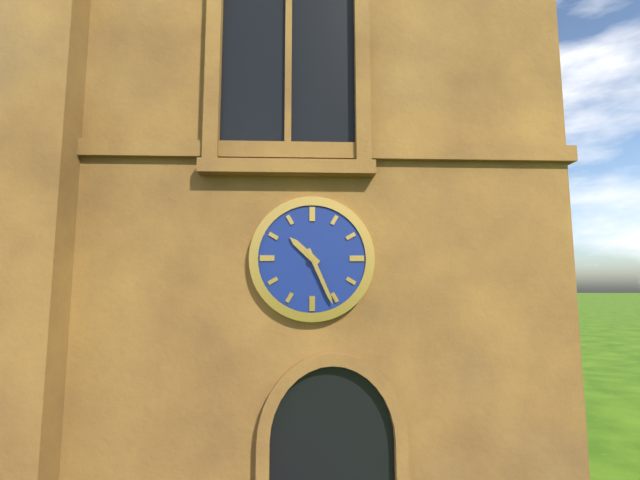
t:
**10:26**
